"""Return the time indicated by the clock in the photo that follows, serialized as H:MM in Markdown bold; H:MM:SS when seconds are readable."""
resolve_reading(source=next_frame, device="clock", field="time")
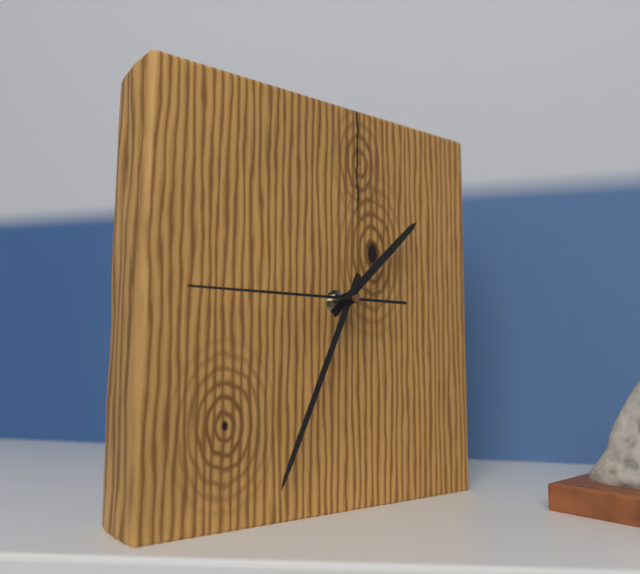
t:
**1:34:45**
